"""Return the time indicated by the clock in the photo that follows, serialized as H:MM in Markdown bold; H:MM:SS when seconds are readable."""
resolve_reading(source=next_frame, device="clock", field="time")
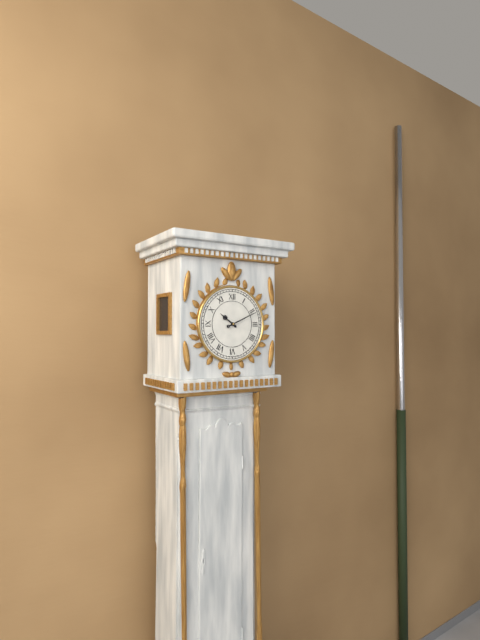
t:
**10:11**
